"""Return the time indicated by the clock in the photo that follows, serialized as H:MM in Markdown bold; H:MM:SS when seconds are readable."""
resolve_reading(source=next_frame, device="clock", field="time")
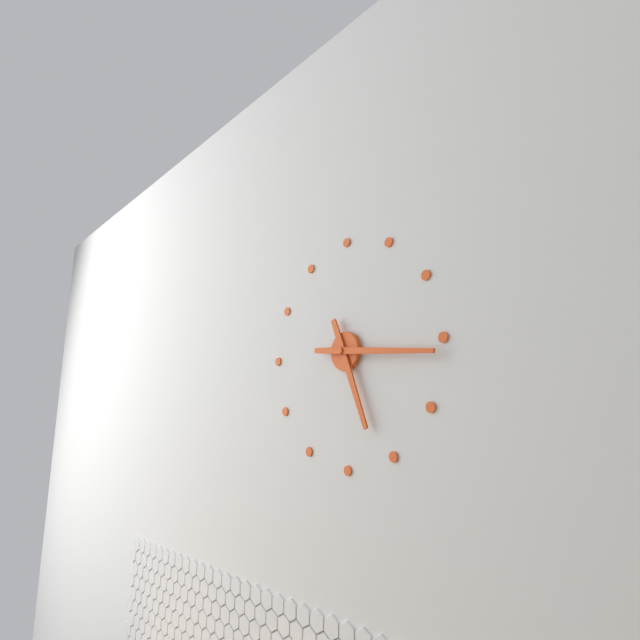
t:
**5:16**
